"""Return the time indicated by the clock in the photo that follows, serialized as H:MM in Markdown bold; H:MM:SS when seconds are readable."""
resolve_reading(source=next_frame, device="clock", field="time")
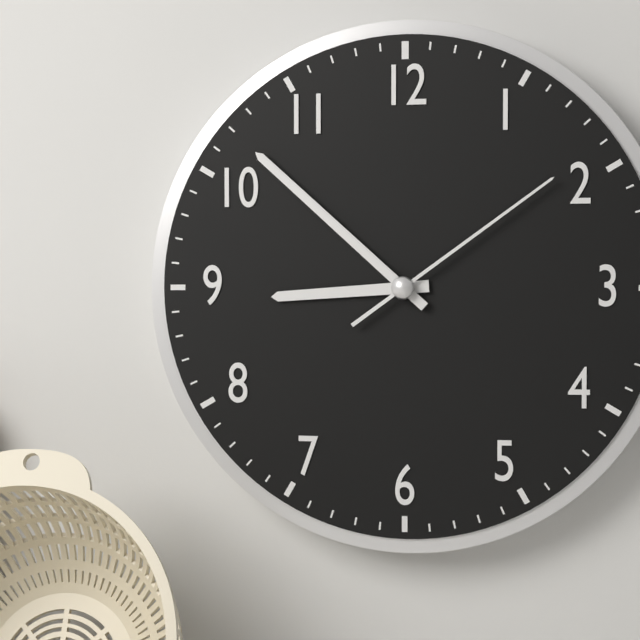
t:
**8:52:09**
